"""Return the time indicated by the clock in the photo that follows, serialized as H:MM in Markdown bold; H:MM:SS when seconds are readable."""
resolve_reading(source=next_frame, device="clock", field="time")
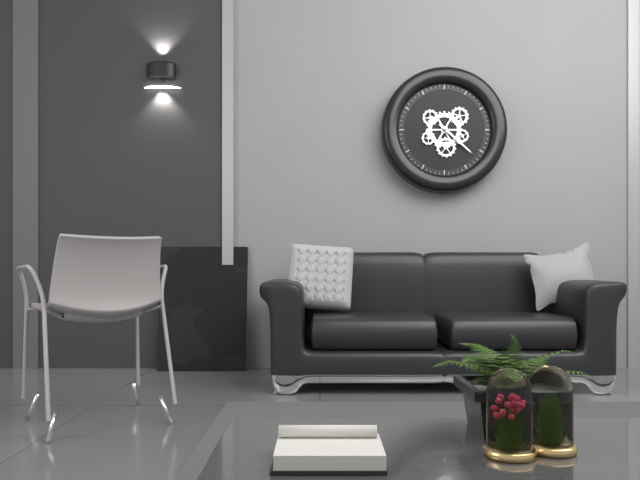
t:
**4:22**
